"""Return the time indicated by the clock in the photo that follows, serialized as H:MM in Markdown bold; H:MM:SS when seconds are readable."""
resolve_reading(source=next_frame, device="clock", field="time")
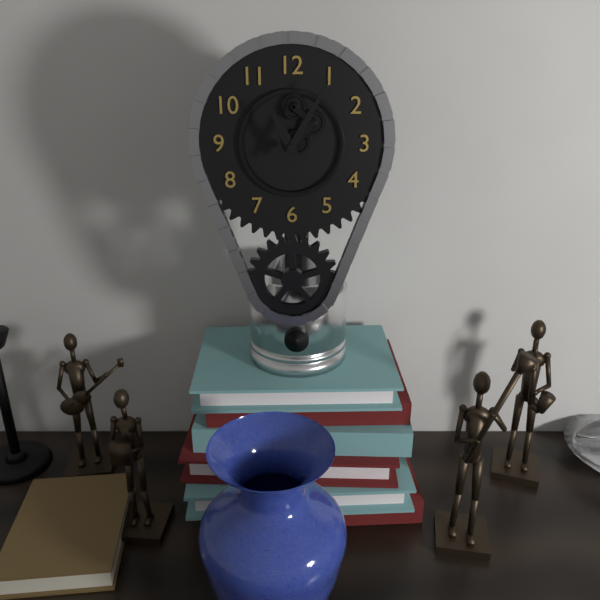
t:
**11:05**
